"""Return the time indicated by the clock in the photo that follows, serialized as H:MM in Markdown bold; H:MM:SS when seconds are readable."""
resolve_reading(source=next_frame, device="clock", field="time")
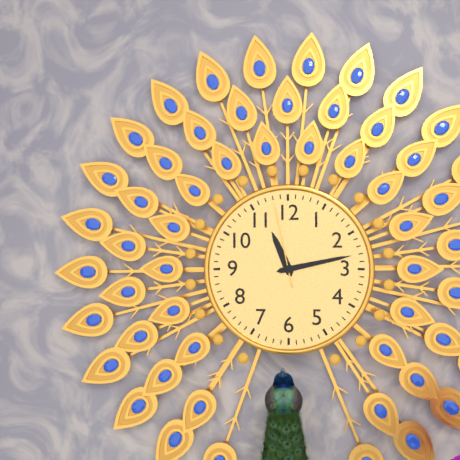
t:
**11:13:58**
